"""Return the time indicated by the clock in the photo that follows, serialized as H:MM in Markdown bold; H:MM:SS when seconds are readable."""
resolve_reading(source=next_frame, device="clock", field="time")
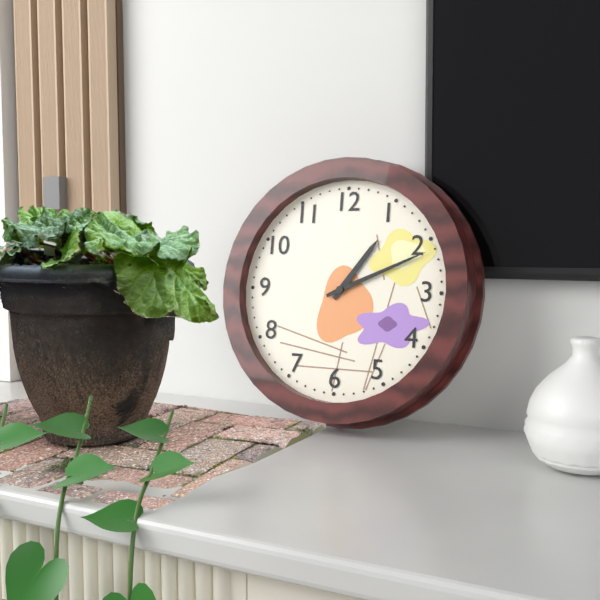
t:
**1:11**
